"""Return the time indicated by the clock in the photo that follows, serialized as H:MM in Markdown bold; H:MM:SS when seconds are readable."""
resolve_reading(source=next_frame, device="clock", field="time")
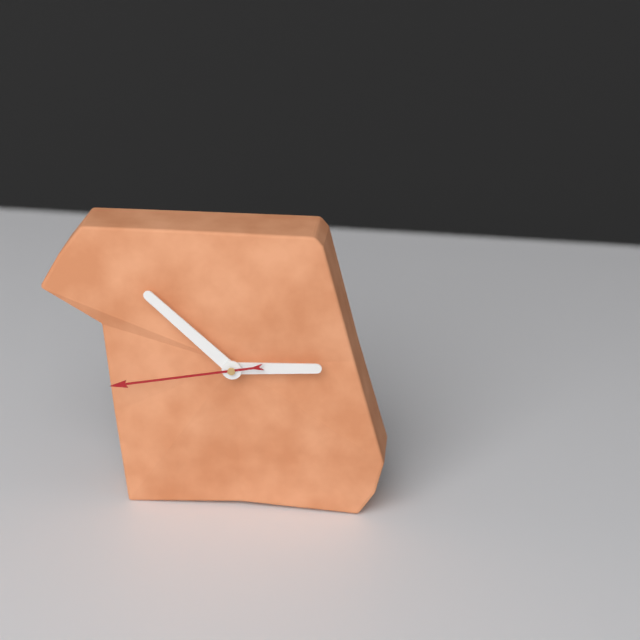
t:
**2:52:43**
